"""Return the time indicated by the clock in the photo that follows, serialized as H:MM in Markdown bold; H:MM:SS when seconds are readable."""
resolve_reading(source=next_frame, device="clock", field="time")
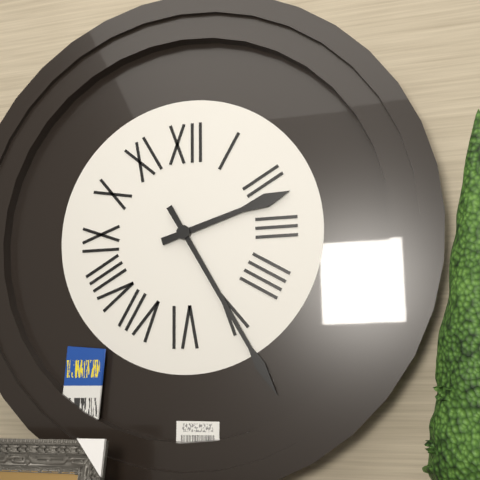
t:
**2:25**
